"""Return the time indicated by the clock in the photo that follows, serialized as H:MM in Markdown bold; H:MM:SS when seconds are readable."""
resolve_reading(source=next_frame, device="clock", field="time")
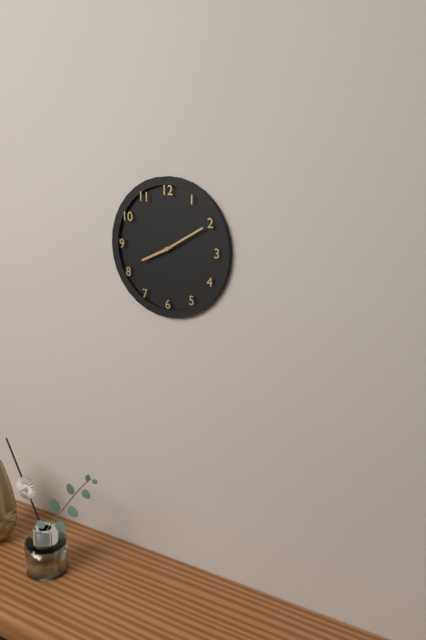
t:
**8:10**
